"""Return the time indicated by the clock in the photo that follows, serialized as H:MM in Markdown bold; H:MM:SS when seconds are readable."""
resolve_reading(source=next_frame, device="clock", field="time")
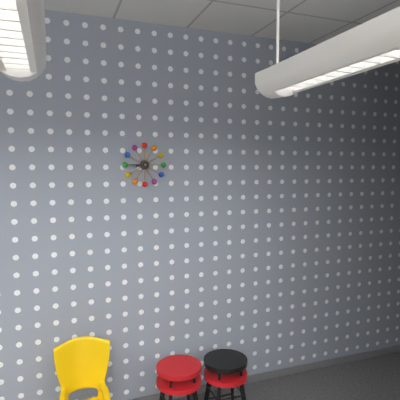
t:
**8:45**
